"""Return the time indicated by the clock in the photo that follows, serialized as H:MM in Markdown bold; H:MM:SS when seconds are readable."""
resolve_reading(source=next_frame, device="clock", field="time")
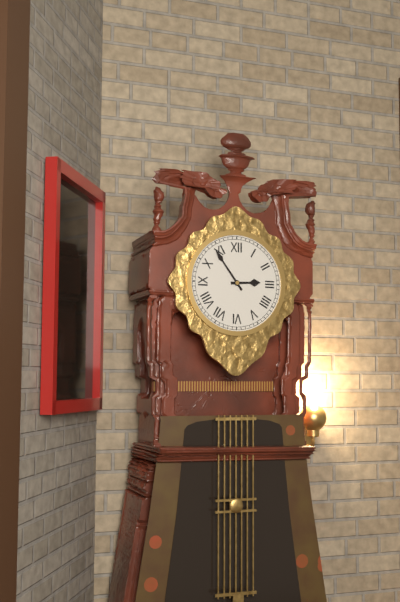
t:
**2:54**
